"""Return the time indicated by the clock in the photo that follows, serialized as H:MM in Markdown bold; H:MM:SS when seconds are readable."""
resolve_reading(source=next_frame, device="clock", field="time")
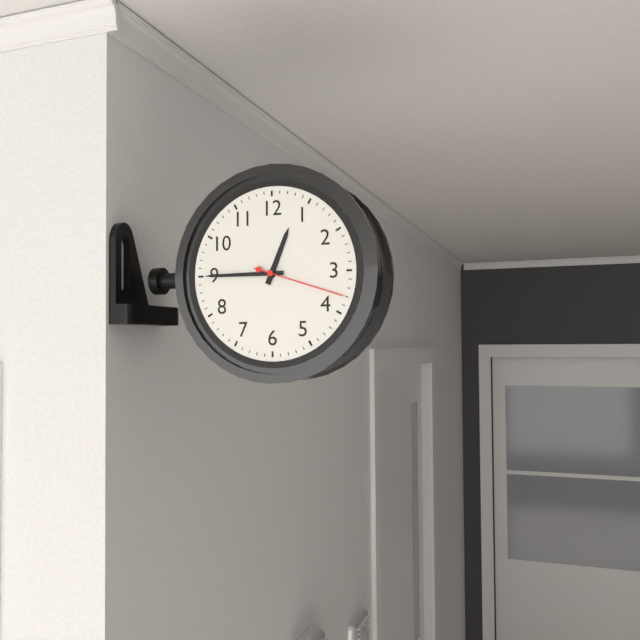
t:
**12:45:18**
